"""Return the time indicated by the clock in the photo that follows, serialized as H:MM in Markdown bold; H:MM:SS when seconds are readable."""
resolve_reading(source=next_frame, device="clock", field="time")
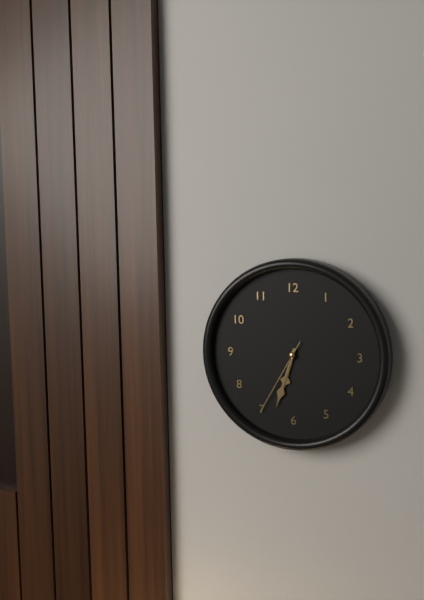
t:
**6:33:35**
